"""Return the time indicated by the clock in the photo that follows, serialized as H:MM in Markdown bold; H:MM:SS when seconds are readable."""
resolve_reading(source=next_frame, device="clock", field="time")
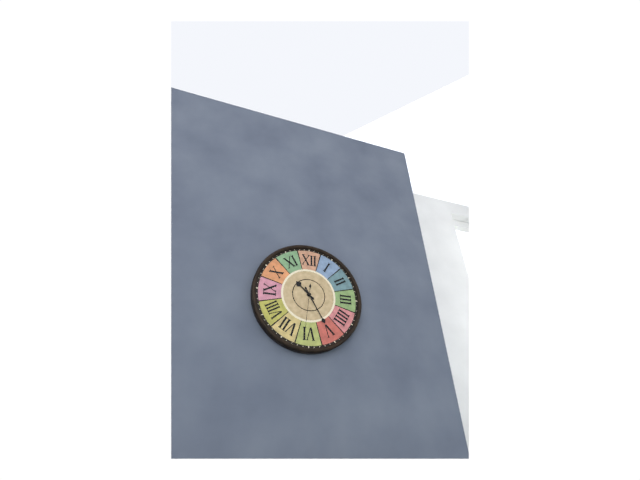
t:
**10:25**
